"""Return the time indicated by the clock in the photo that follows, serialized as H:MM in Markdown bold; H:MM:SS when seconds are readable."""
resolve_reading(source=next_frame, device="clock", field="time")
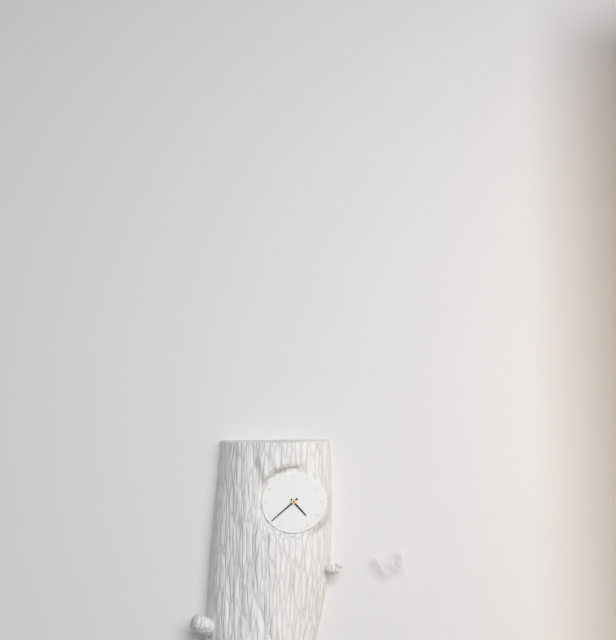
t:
**4:38**
